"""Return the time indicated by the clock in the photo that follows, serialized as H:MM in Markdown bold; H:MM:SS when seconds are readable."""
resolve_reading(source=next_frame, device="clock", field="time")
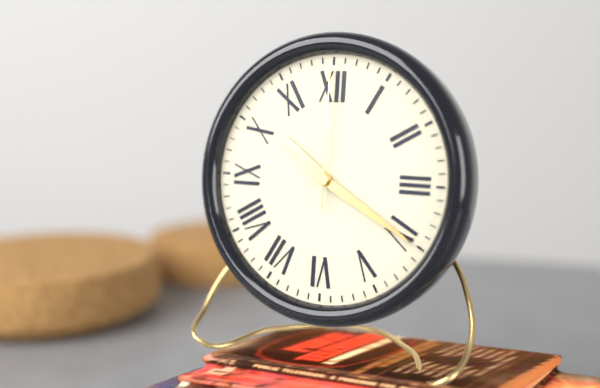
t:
**10:20:00**
